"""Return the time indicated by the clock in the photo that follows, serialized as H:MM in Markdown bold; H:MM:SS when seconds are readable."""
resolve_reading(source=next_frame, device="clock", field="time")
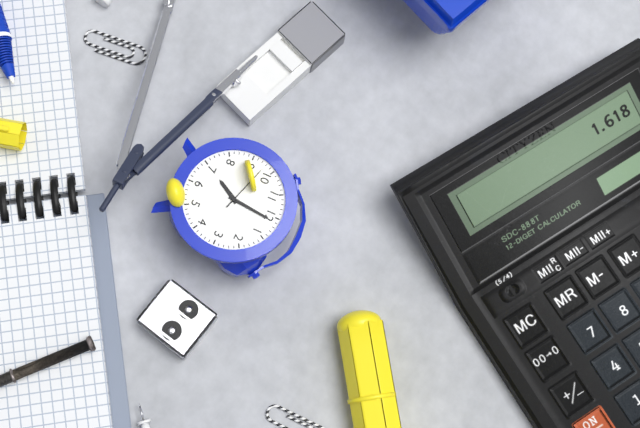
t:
**7:01:48**
